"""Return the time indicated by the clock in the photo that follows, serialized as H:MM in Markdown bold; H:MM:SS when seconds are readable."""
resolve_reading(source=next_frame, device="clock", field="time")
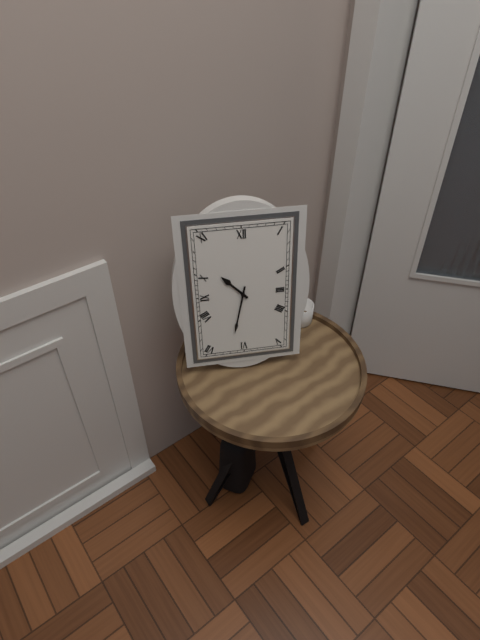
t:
**10:32**
